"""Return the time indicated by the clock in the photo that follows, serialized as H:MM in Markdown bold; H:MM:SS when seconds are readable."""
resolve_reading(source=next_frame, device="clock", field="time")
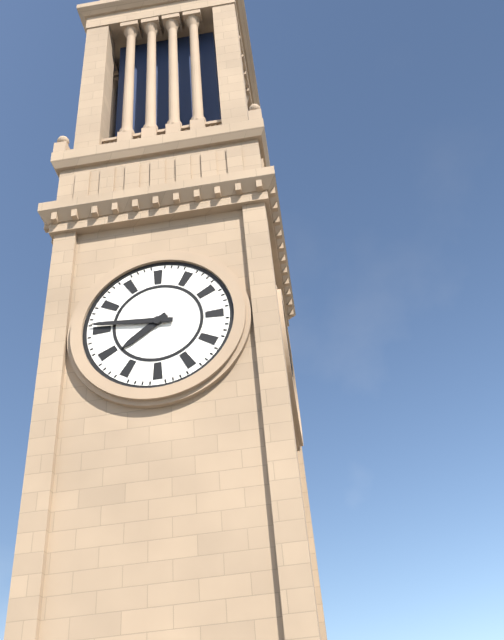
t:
**7:46**
